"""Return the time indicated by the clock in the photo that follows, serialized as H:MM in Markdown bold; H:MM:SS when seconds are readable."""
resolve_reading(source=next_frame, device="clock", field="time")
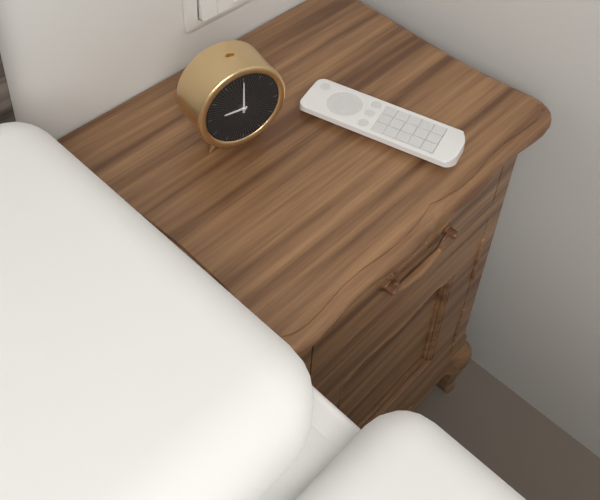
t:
**9:00**
